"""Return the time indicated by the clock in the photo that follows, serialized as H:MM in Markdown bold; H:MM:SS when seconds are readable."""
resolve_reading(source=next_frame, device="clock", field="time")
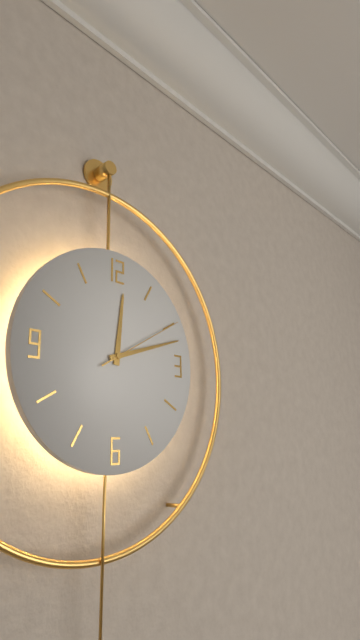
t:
**12:12:10**
